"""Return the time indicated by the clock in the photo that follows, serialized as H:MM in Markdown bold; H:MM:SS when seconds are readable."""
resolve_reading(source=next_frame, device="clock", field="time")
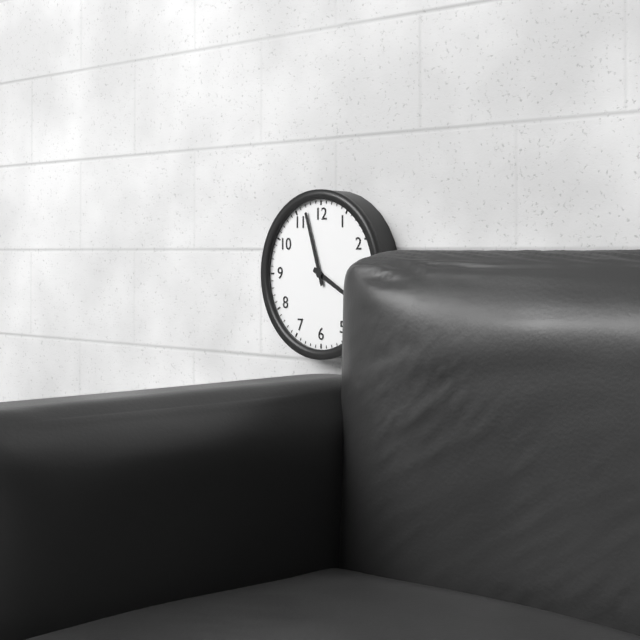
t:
**3:57**
